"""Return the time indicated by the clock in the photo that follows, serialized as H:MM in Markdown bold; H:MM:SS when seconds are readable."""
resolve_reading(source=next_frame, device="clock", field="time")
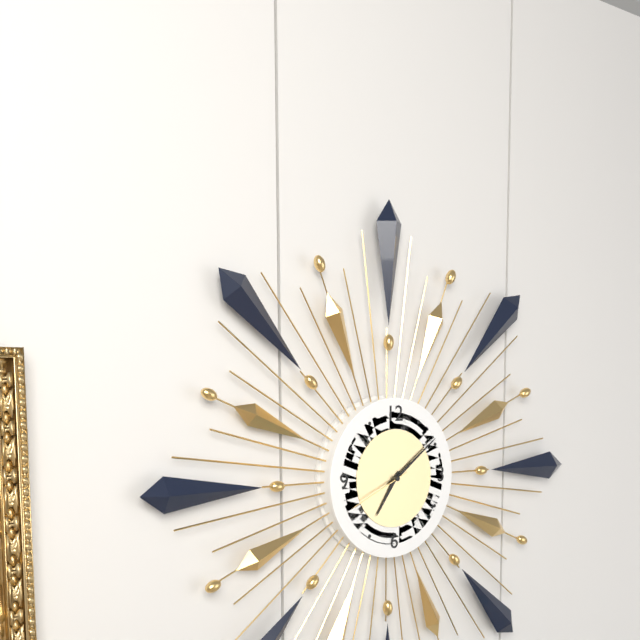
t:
**7:09:41**
